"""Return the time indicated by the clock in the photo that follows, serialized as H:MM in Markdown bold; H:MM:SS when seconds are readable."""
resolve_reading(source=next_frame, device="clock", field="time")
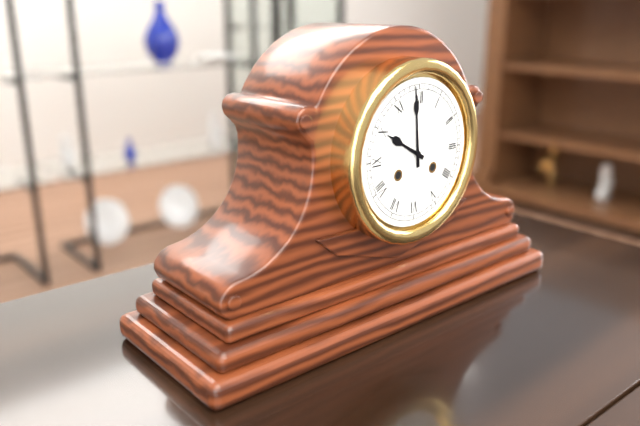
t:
**9:59**
